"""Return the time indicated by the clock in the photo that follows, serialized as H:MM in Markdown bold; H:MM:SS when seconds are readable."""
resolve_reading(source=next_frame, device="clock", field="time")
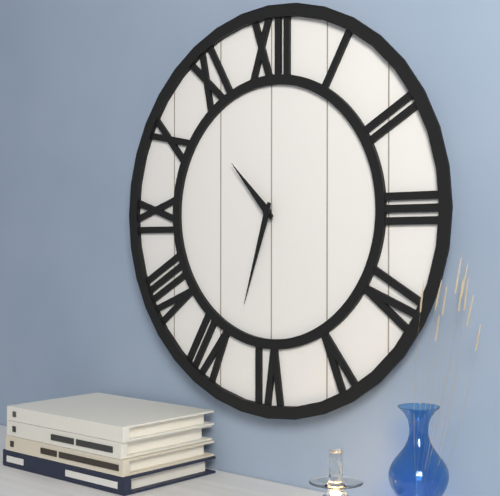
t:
**10:33**
